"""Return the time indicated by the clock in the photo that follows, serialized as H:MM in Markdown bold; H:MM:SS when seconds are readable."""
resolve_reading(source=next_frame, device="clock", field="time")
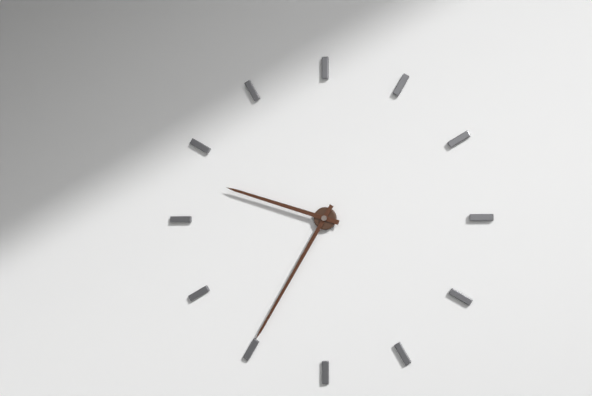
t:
**9:35**
